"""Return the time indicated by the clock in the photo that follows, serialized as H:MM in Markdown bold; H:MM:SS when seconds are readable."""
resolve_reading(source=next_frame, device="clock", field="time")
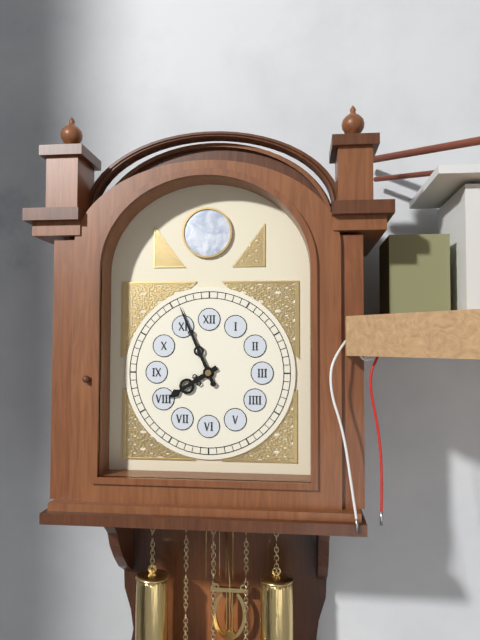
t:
**7:56**
